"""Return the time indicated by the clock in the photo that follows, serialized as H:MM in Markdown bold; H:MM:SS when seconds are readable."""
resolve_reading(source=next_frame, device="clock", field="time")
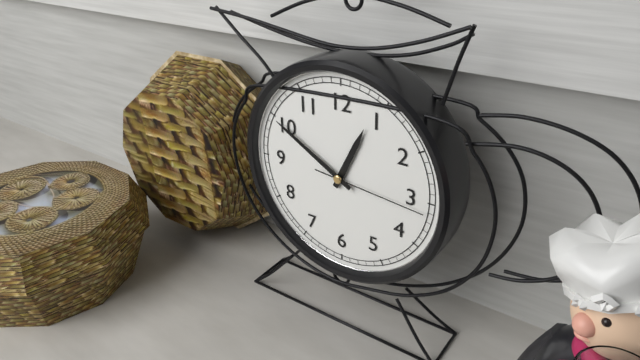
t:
**12:50:16**
